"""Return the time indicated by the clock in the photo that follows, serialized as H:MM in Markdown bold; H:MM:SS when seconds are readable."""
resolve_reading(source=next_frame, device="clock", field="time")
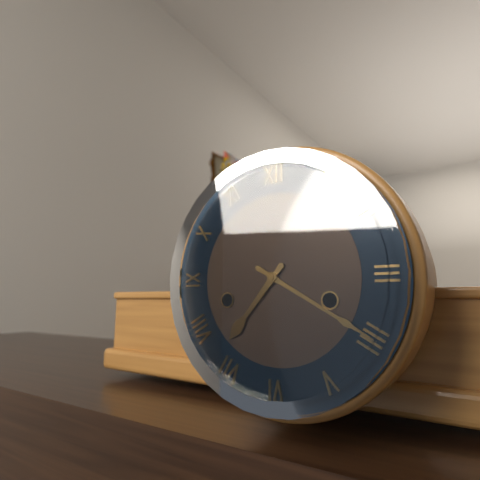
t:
**7:20**
